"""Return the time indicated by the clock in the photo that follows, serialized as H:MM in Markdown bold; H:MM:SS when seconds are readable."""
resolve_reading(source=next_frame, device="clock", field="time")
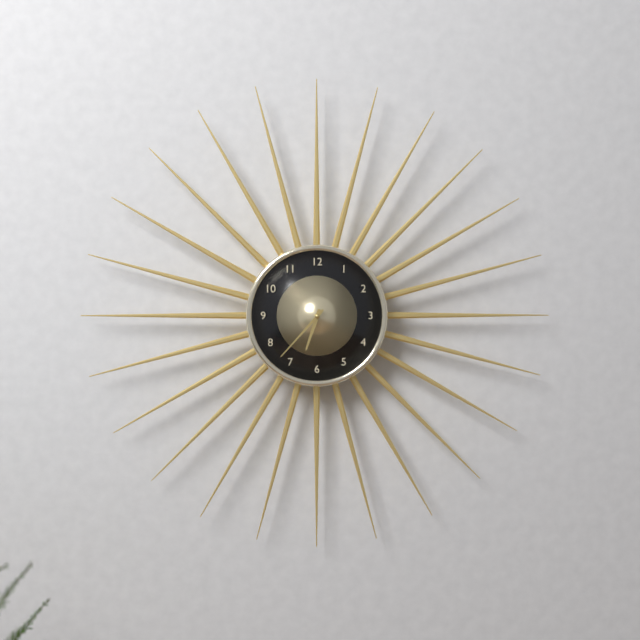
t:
**6:37**
